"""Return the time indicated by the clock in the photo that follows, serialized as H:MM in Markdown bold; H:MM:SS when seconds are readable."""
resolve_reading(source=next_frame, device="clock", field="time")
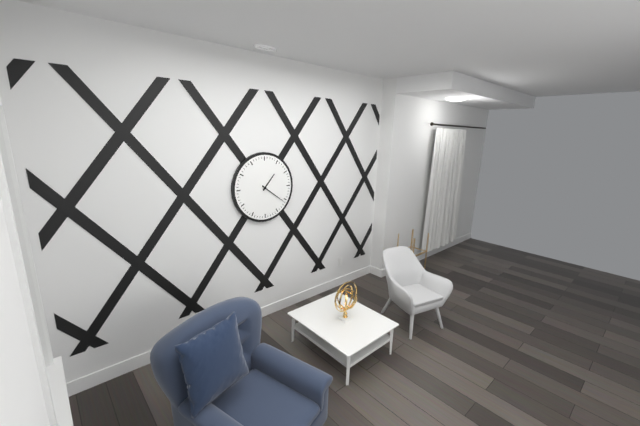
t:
**1:21**
